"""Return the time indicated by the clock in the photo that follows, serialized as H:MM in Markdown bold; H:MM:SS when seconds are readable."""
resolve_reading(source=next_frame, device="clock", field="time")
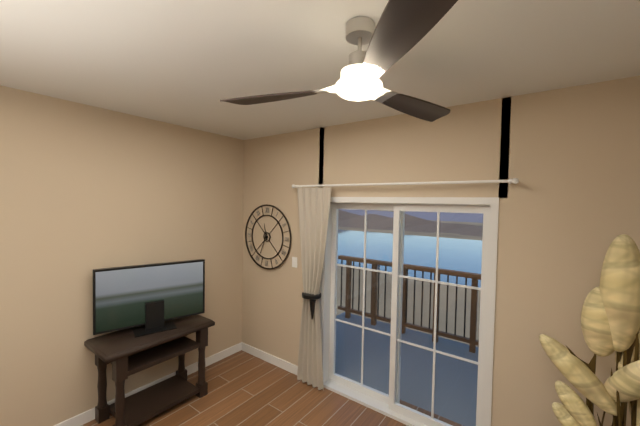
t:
**11:34**
